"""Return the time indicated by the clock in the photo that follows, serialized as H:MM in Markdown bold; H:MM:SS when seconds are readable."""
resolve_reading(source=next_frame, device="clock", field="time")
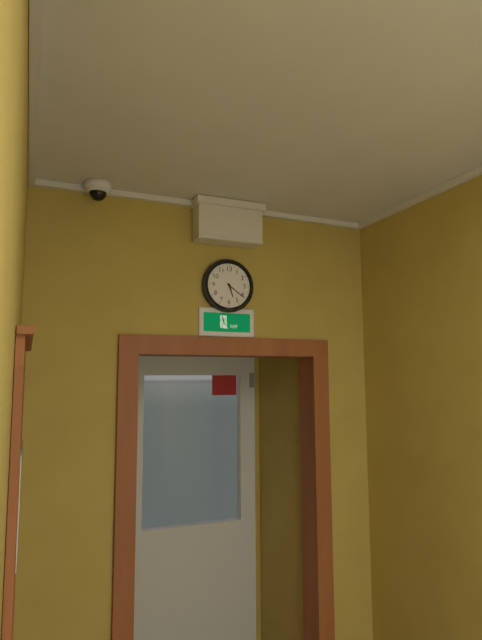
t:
**5:21**
